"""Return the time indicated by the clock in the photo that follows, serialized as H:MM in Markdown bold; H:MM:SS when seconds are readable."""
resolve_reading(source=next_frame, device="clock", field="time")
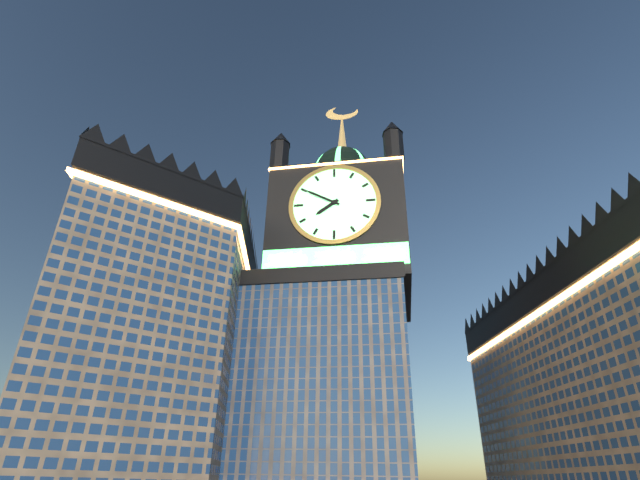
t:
**7:50**
